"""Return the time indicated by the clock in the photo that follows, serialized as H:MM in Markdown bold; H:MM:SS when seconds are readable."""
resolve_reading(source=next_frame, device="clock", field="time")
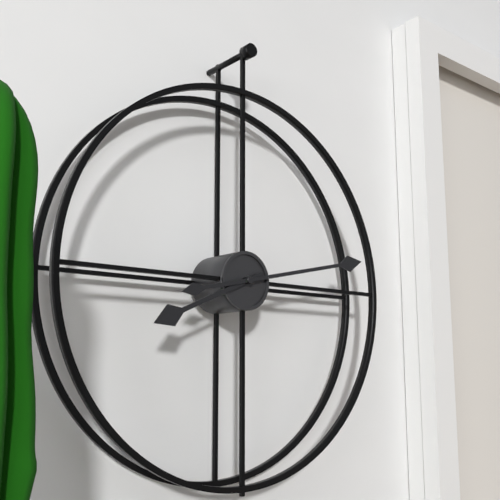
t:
**8:13**
